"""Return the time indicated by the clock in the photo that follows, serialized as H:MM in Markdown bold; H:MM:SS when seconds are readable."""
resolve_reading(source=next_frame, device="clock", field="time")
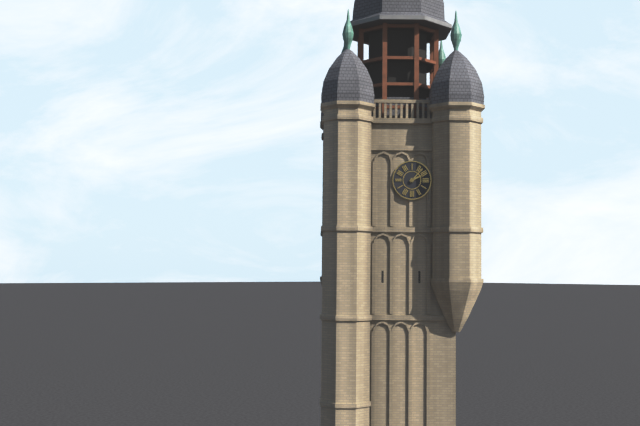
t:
**2:07**
